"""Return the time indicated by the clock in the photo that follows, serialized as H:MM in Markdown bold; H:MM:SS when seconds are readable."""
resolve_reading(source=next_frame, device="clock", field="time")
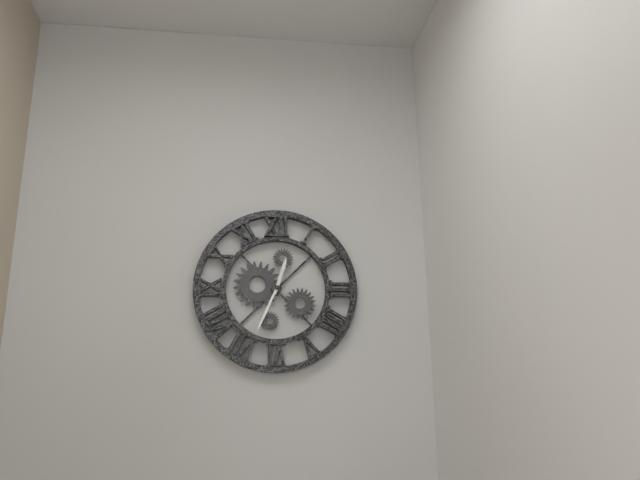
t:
**12:34**
